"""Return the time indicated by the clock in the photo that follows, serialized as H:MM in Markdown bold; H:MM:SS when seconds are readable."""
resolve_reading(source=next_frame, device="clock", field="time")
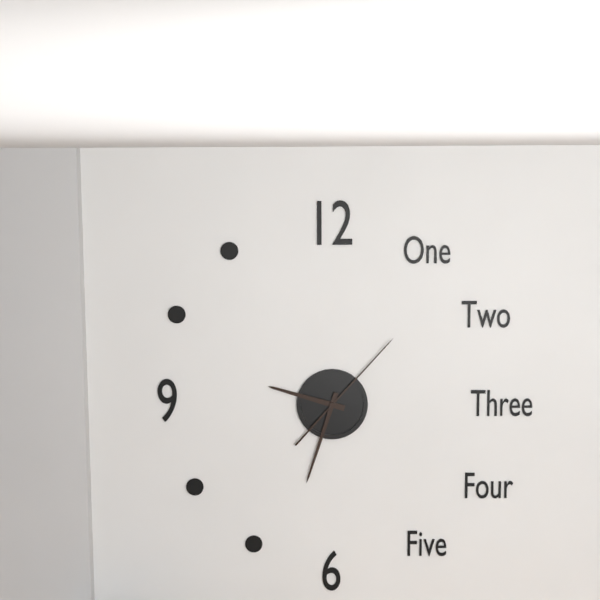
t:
**9:33:07**
